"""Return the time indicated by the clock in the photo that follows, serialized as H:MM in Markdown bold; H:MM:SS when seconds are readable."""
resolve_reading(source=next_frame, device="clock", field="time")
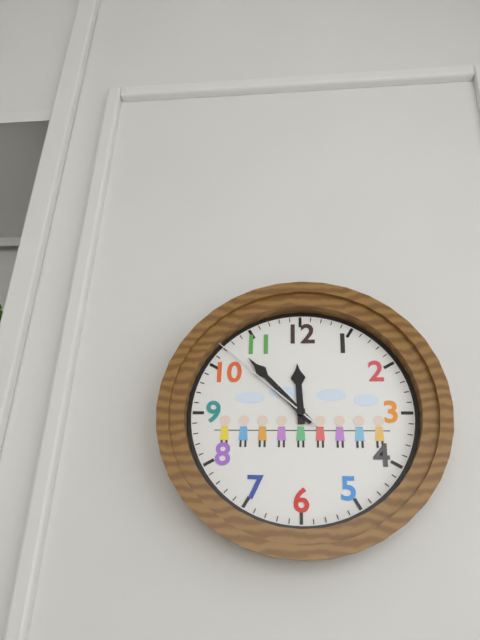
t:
**11:53:52**
